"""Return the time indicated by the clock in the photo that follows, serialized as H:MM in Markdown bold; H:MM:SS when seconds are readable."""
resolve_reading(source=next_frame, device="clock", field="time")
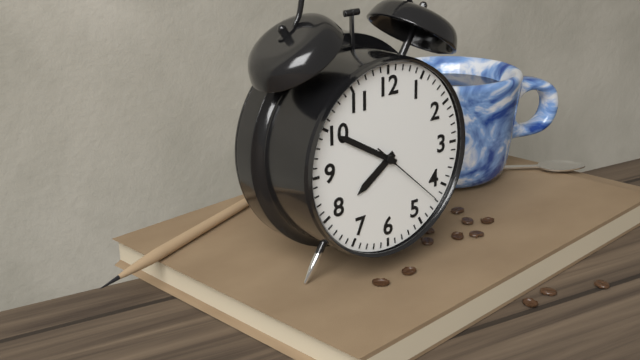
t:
**7:50:22**
